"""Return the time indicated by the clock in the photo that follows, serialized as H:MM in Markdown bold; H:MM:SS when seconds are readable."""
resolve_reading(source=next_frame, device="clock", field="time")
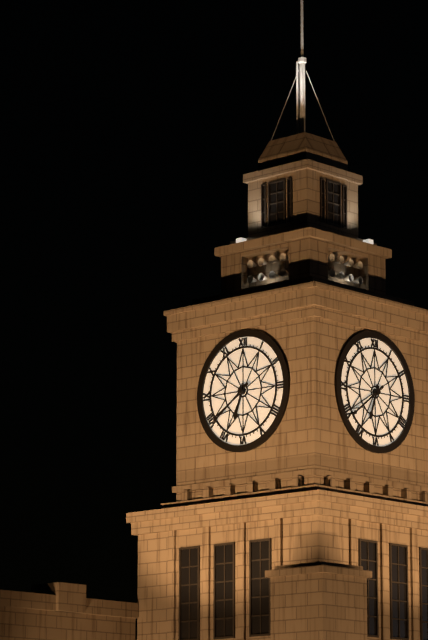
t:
**6:39**
